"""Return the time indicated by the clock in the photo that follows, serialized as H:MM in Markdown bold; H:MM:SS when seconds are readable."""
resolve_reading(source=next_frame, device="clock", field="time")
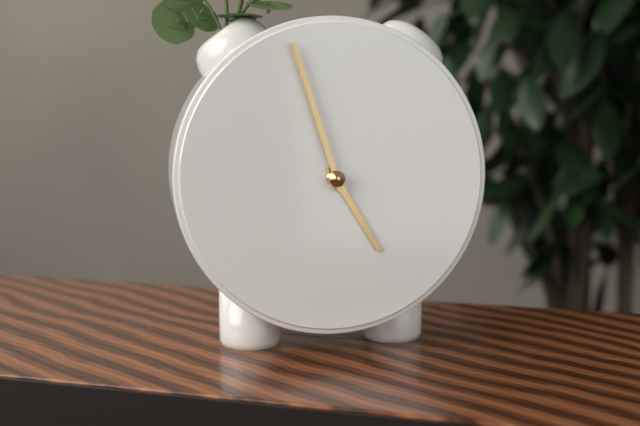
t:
**4:57**
